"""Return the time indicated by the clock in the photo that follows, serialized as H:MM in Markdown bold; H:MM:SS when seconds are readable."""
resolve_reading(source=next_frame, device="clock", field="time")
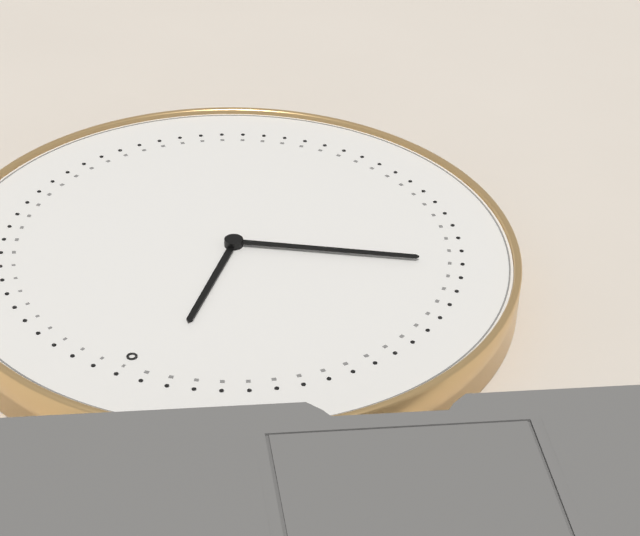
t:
**11:42**
